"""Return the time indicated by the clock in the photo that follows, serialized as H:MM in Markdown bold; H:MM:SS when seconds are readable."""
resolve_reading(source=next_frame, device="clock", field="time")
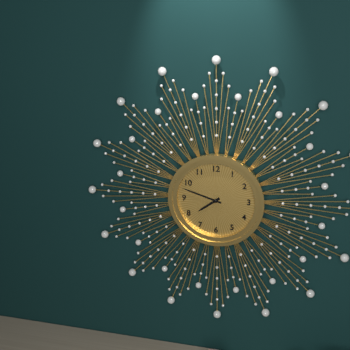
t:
**7:48**
